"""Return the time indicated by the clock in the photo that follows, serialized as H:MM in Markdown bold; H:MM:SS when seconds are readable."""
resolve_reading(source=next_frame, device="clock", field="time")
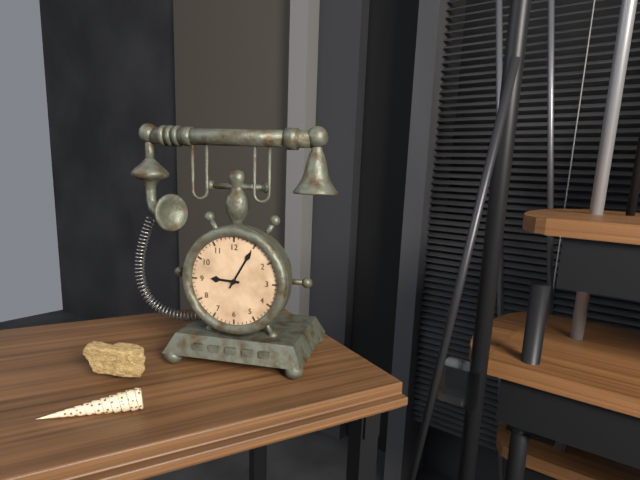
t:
**9:05**
